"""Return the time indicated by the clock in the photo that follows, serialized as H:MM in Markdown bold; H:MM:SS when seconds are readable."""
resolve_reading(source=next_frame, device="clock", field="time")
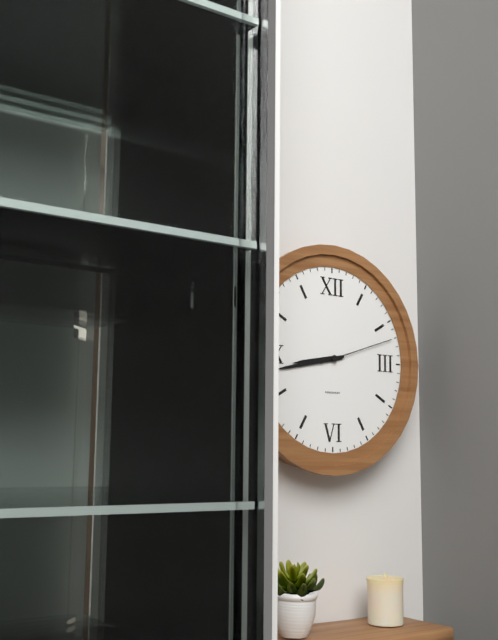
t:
**8:43:12**
